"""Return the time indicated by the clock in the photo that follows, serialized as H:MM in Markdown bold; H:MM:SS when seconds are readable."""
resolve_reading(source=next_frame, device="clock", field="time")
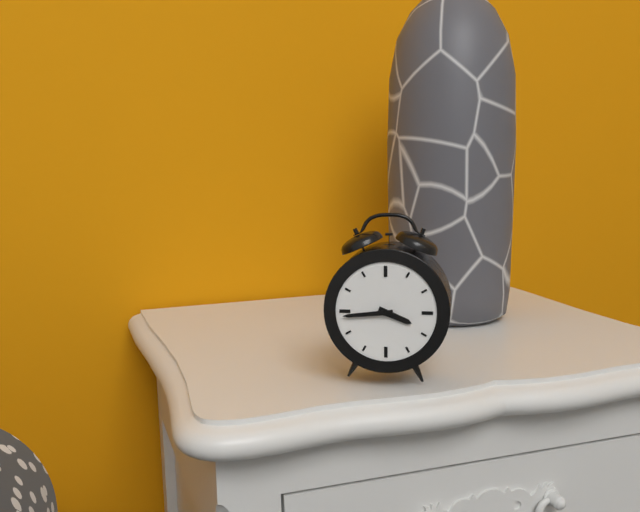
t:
**3:44**
